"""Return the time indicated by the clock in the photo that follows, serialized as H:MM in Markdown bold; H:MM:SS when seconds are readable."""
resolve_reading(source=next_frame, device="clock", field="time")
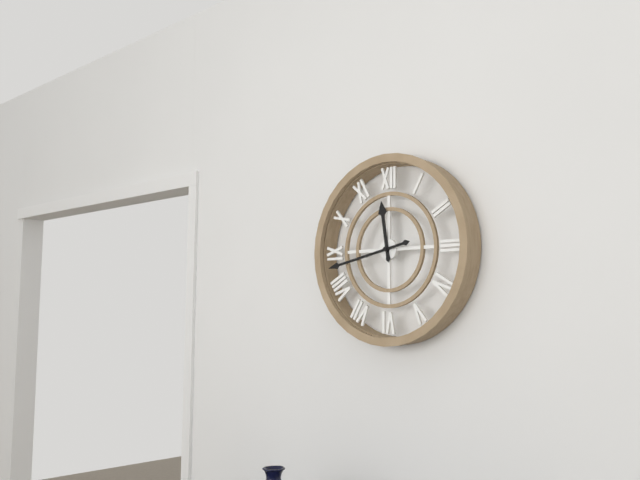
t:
**11:43**
